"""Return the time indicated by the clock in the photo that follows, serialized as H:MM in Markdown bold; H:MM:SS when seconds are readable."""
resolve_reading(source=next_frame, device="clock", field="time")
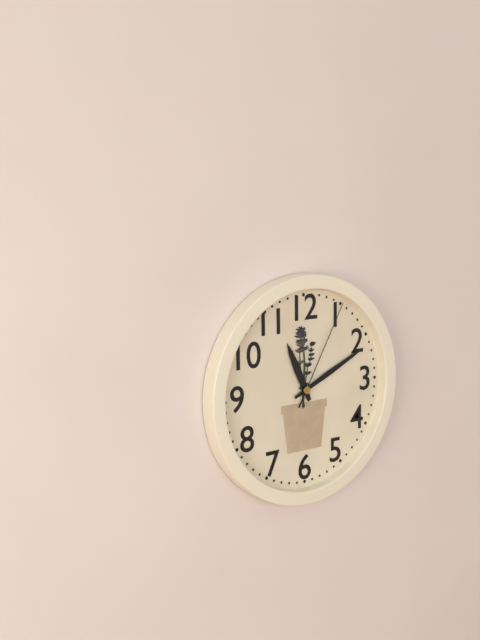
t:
**11:11:05**
